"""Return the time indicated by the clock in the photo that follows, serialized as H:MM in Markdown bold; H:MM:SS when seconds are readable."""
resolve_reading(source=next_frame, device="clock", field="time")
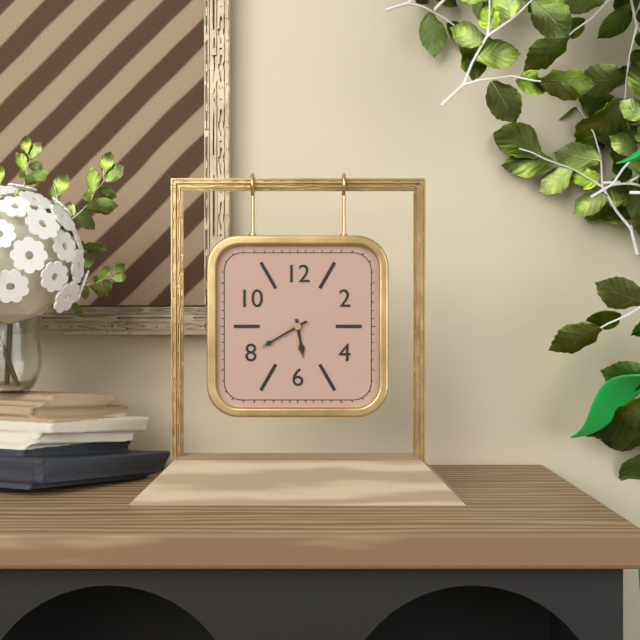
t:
**5:40**
